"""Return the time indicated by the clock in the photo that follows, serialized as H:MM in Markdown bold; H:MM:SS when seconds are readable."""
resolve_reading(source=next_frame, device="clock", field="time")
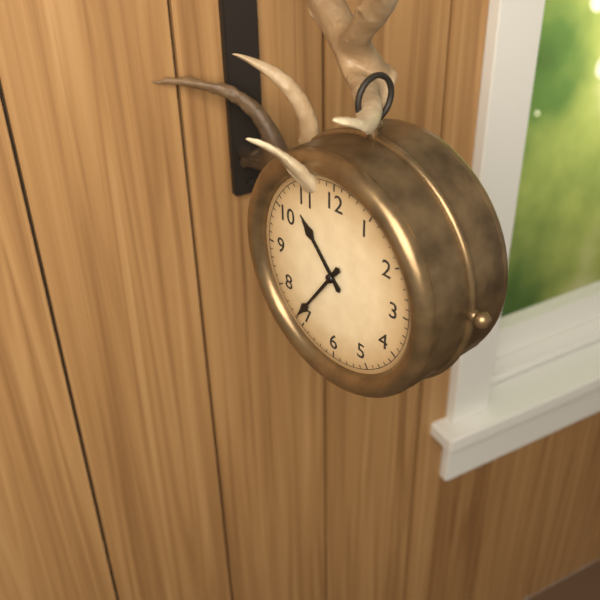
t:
**10:36**
